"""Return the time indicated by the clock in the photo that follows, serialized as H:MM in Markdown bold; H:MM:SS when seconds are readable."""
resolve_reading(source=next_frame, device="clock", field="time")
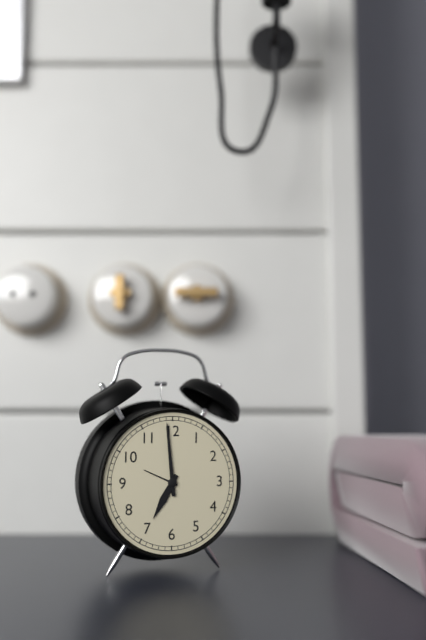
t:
**6:59**
